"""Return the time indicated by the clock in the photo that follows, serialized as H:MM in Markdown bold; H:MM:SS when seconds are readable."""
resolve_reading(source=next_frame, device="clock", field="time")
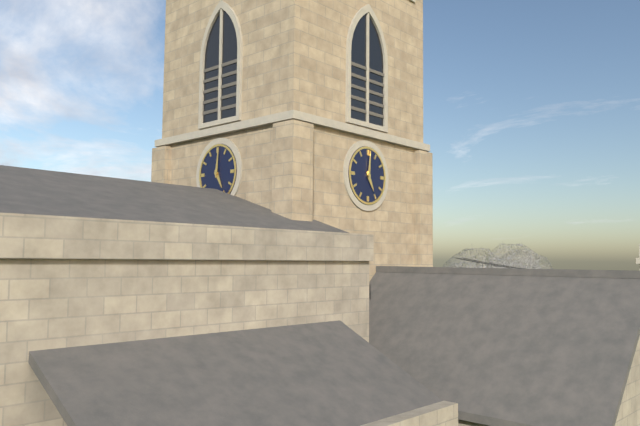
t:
**5:01**
